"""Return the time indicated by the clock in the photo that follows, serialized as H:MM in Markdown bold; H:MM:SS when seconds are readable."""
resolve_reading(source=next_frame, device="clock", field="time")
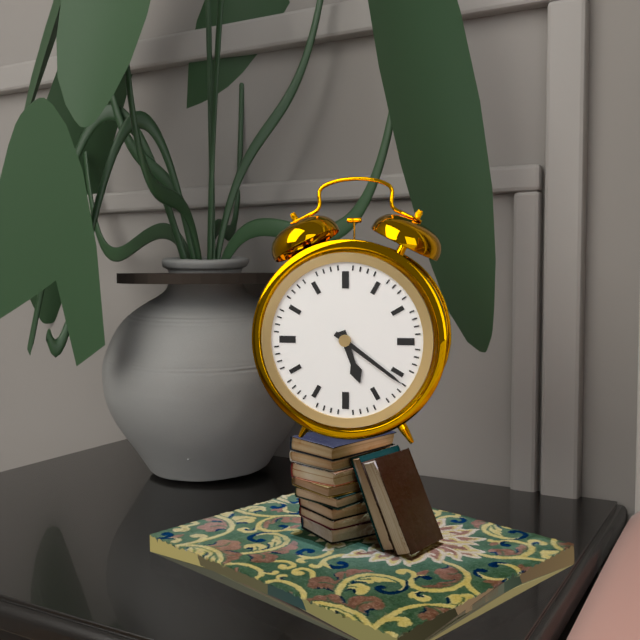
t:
**5:21**
